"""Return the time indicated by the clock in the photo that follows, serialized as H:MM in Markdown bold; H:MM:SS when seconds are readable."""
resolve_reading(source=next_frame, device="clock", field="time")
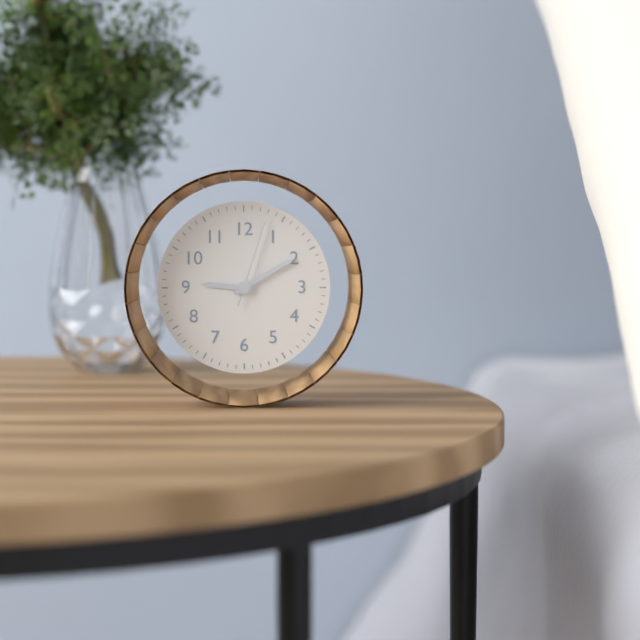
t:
**9:10:03**
